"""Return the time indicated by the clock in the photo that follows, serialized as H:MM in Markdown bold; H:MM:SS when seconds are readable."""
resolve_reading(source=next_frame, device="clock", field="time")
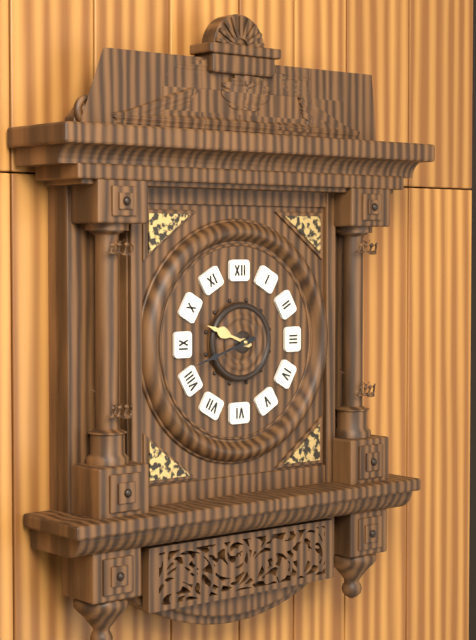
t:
**9:42**
